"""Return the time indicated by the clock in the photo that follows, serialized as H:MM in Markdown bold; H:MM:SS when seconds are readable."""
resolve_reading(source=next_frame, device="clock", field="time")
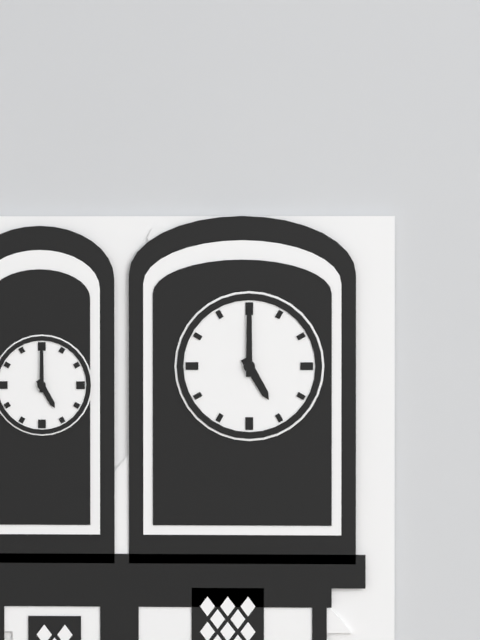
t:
**5:00**
